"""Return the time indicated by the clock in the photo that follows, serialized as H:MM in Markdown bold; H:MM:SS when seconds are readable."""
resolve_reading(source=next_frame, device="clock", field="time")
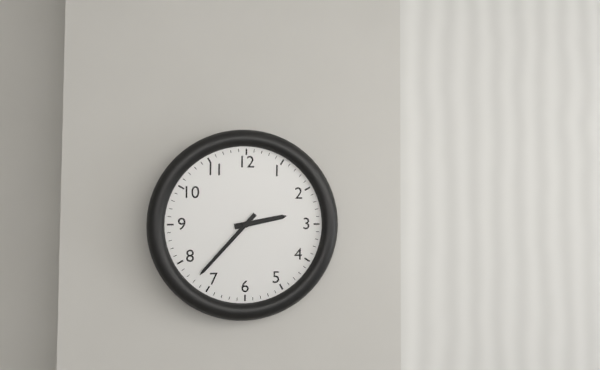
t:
**2:37**
